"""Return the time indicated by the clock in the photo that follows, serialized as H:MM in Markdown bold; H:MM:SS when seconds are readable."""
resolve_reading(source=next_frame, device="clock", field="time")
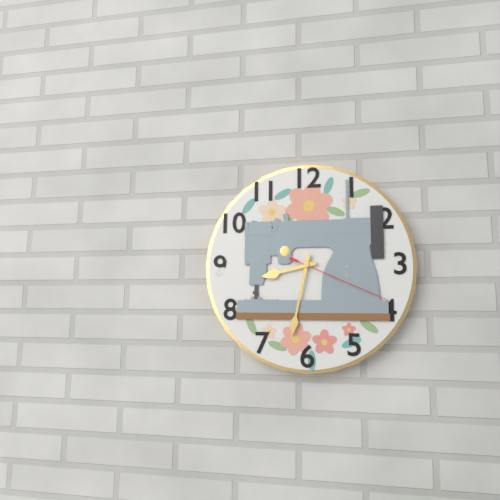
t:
**8:32:19**
